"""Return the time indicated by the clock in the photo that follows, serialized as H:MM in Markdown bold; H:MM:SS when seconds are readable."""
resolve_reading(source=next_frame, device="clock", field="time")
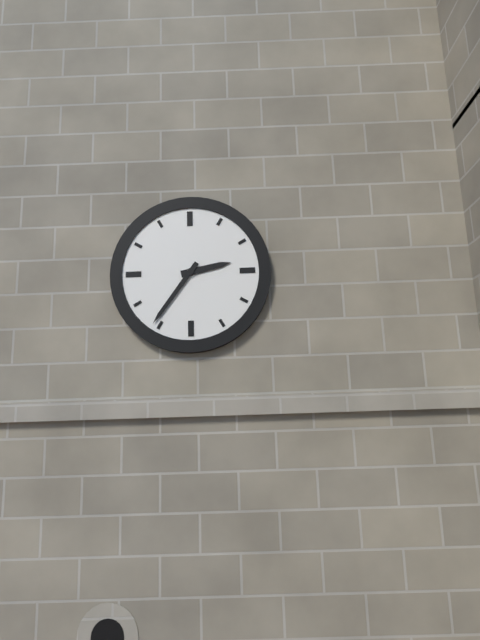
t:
**2:36**
